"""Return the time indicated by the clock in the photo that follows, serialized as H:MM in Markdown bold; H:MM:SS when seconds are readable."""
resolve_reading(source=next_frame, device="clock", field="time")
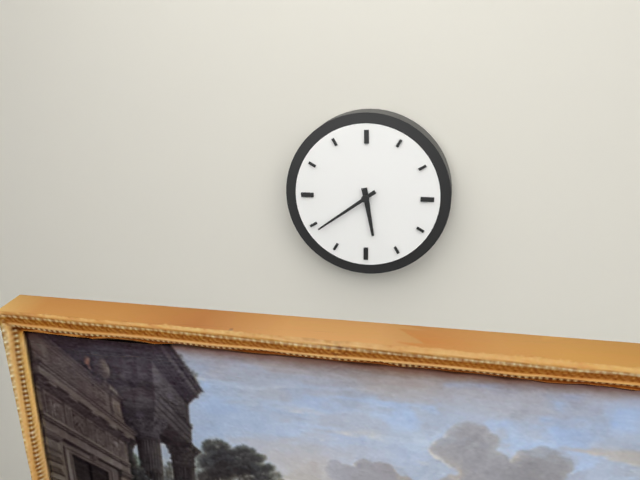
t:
**5:39**
